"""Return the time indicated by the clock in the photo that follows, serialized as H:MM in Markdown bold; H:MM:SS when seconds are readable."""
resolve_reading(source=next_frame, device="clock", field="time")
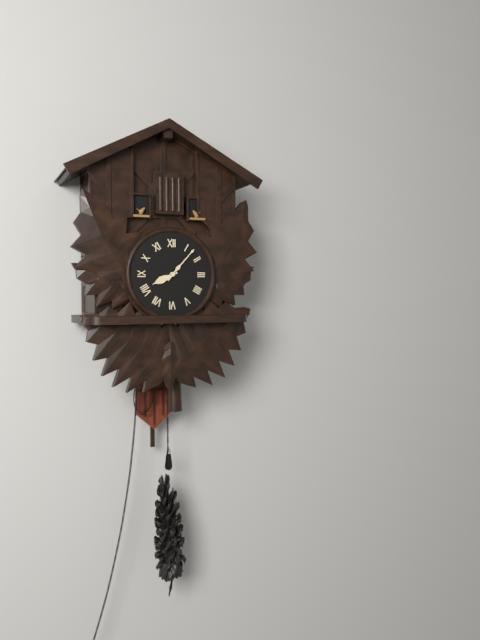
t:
**8:07**
